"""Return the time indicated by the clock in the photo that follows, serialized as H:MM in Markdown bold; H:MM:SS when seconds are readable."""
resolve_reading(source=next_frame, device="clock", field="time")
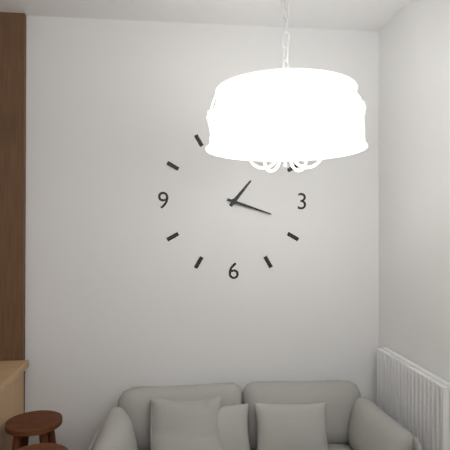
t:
**1:18**
